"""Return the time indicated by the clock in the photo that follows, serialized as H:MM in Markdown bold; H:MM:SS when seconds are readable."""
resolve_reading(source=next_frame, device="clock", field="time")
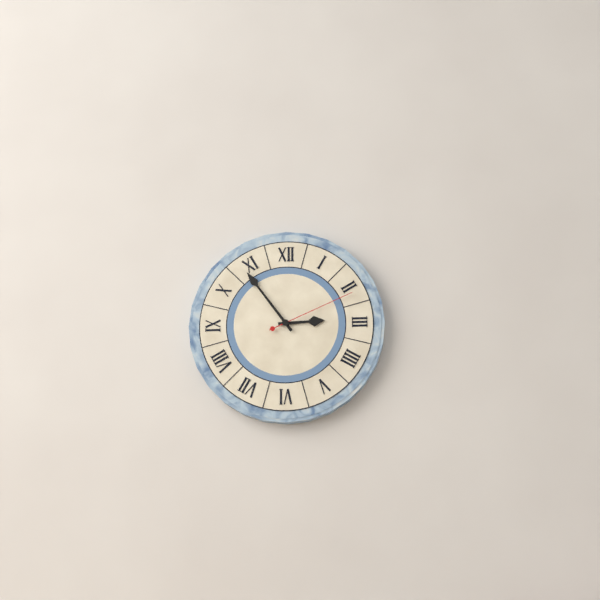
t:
**2:54:11**
